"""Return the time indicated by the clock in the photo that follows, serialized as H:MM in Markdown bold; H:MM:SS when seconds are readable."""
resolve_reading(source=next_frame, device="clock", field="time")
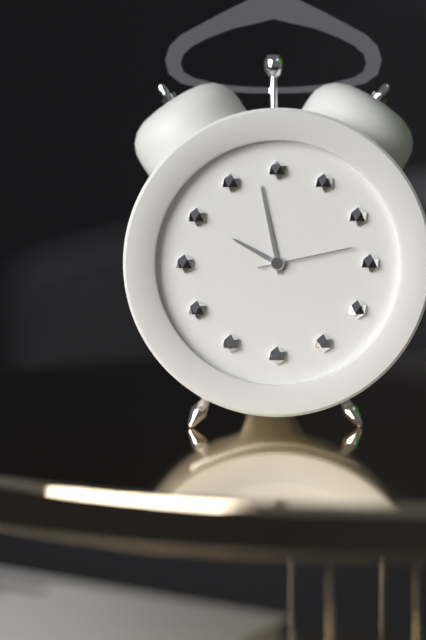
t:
**9:58:13**
